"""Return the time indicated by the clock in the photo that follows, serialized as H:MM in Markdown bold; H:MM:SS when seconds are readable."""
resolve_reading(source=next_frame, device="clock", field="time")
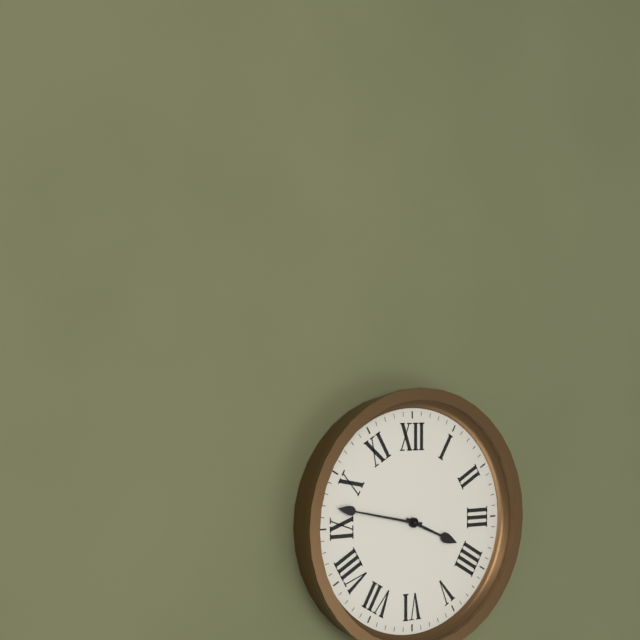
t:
**3:47**
